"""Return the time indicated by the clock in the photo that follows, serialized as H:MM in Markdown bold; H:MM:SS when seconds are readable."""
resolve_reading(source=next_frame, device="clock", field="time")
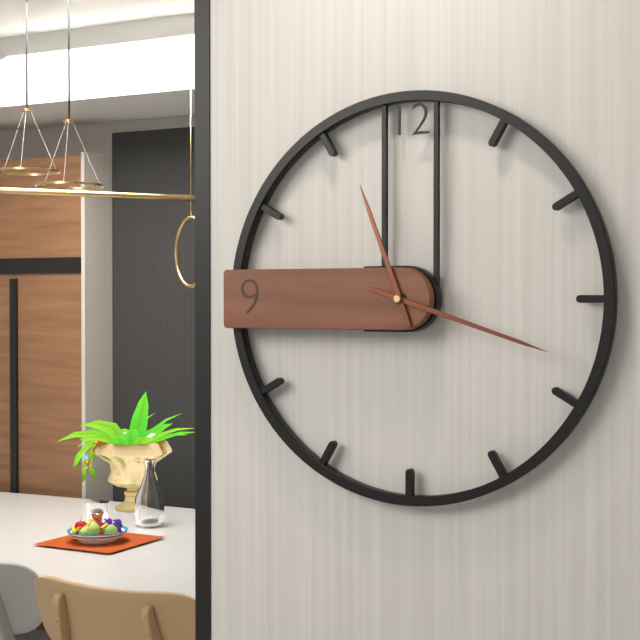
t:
**11:18**
